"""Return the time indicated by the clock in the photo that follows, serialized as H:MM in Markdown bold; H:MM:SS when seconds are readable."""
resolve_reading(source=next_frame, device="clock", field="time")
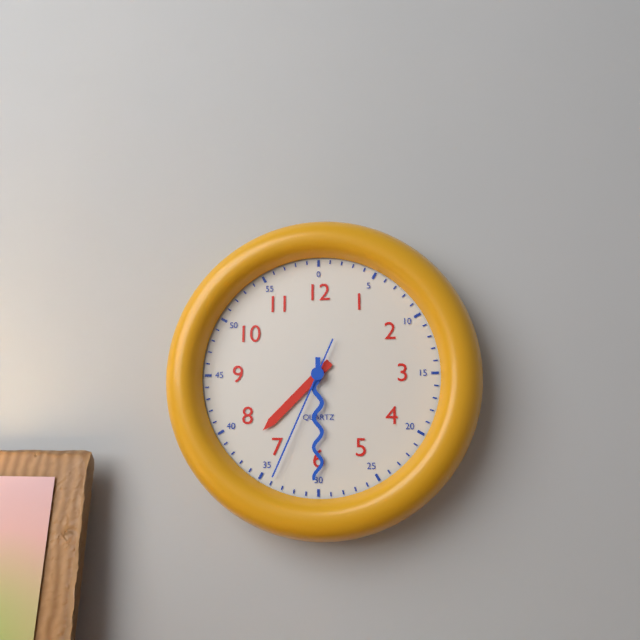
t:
**7:30:34**
